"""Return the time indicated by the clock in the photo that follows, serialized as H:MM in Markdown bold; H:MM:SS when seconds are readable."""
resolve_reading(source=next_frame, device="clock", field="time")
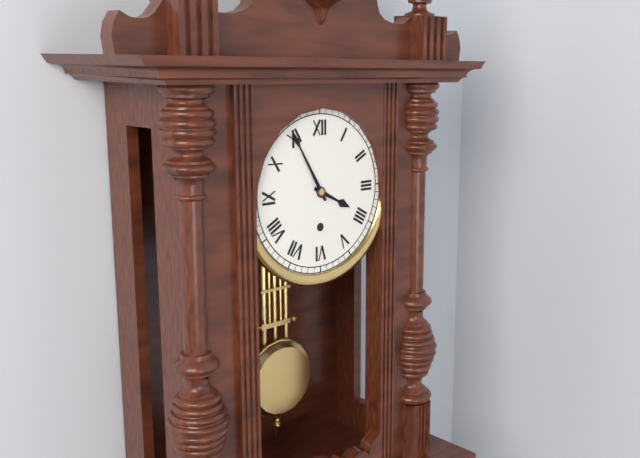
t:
**3:55**
